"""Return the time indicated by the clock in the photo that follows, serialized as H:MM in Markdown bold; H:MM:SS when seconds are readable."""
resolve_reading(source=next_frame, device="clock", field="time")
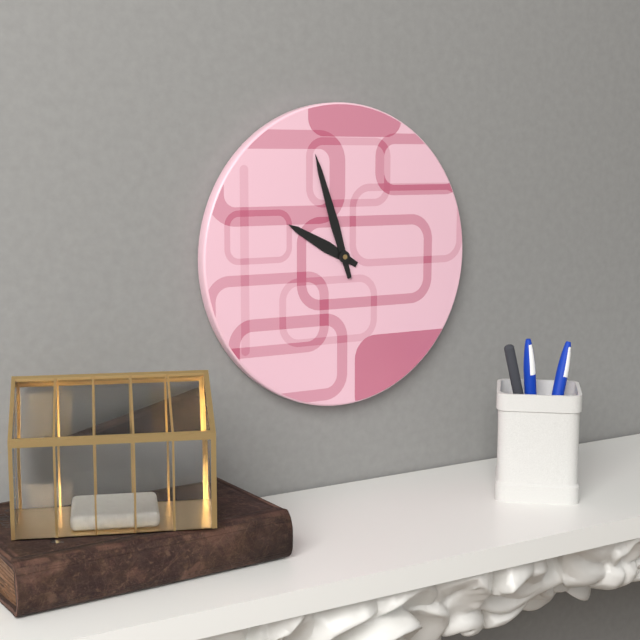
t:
**9:57**
